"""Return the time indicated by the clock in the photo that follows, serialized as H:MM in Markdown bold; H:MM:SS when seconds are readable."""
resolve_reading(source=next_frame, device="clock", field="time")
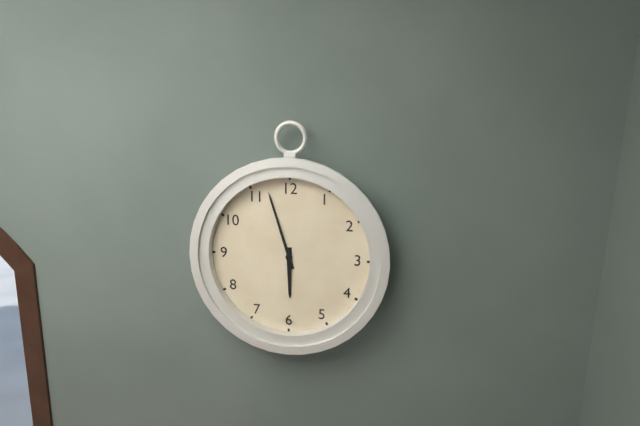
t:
**5:57**
